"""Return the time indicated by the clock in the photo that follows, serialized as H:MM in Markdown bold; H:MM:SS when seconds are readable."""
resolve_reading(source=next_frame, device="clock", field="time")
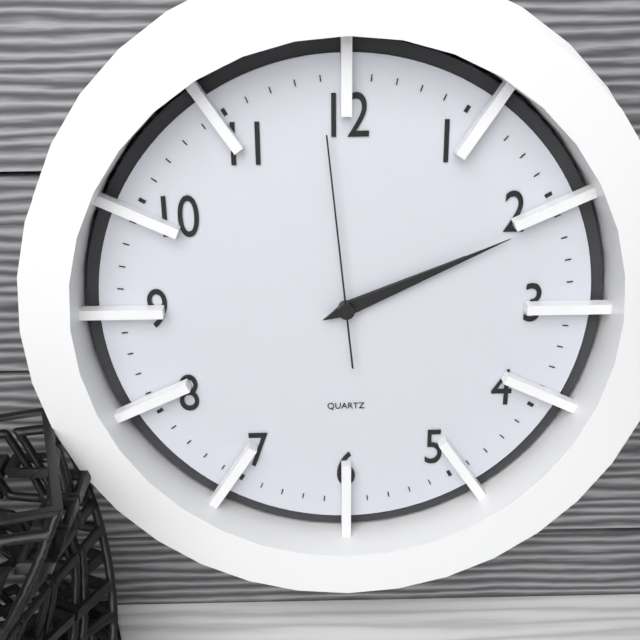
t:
**2:11:59**
